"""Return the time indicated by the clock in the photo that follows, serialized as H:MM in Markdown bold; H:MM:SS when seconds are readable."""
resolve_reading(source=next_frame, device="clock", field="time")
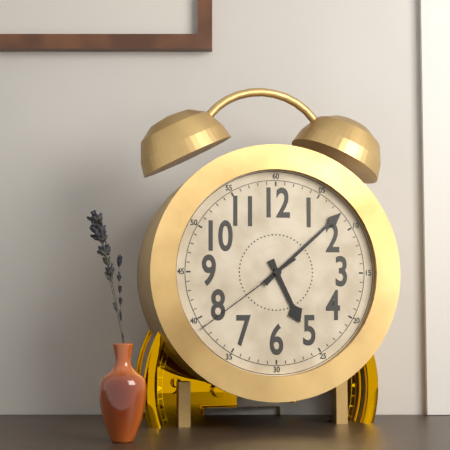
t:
**5:08:39**
